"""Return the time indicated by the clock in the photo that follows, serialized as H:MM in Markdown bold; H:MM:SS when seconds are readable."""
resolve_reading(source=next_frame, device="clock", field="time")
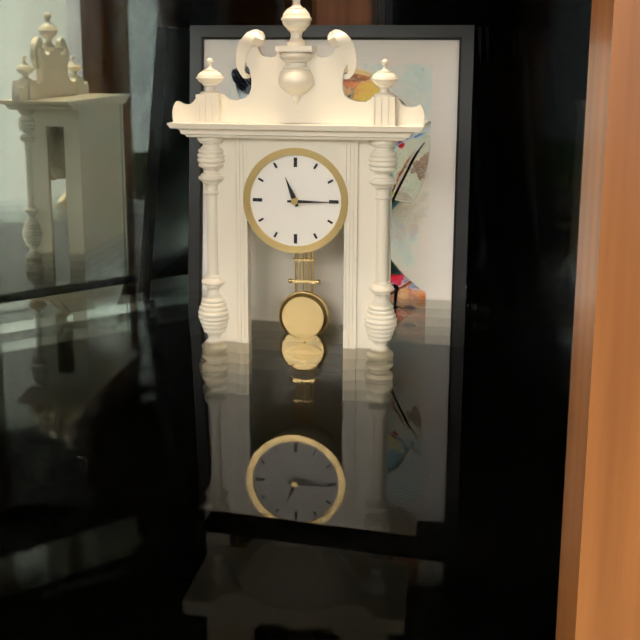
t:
**11:15**
